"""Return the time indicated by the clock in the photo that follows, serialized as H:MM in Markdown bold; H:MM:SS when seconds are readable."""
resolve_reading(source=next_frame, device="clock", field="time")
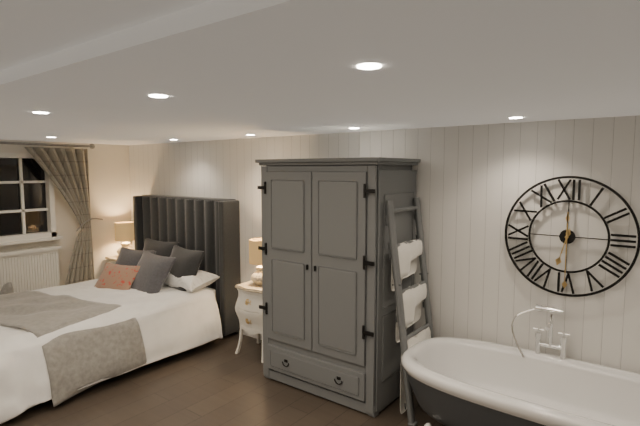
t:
**6:30**
